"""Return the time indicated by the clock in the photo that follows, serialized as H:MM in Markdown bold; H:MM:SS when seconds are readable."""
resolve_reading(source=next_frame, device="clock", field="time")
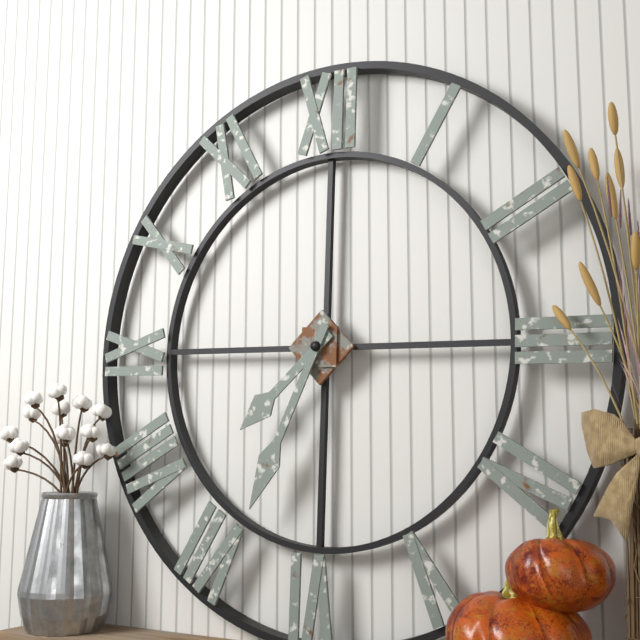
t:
**7:34**
